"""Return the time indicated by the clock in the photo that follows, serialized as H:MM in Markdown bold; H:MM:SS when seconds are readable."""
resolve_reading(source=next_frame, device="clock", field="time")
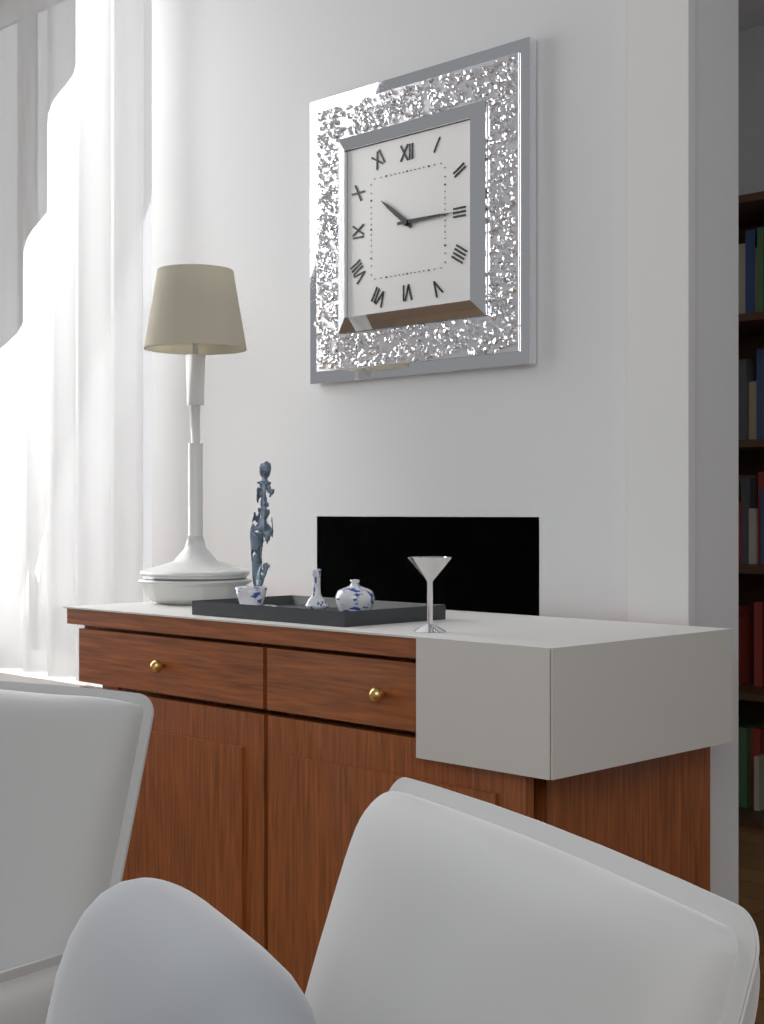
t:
**10:15**
